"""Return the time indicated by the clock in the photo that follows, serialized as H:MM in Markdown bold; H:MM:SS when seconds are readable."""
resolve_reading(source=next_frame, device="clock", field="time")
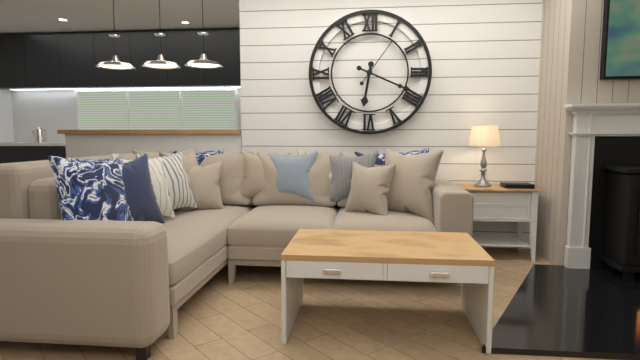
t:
**6:19**
